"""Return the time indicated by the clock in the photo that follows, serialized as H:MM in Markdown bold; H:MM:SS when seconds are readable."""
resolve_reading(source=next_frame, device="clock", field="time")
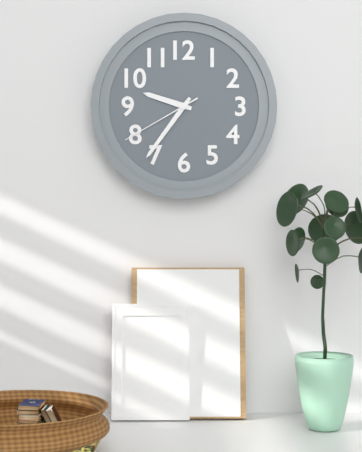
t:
**9:36:40**
